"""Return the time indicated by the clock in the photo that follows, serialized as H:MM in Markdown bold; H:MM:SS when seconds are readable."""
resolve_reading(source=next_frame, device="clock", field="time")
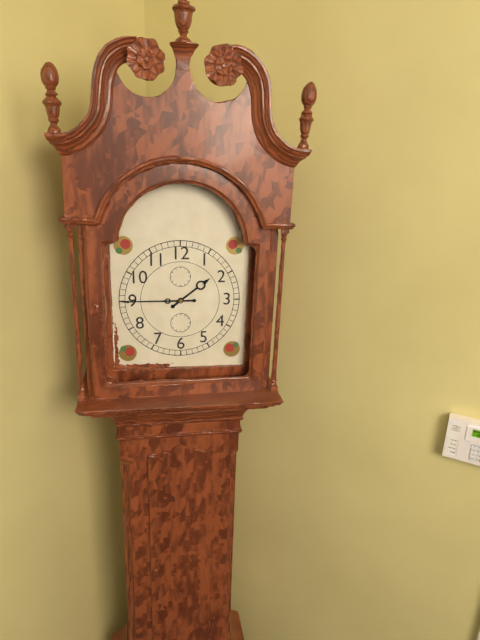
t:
**1:45**
